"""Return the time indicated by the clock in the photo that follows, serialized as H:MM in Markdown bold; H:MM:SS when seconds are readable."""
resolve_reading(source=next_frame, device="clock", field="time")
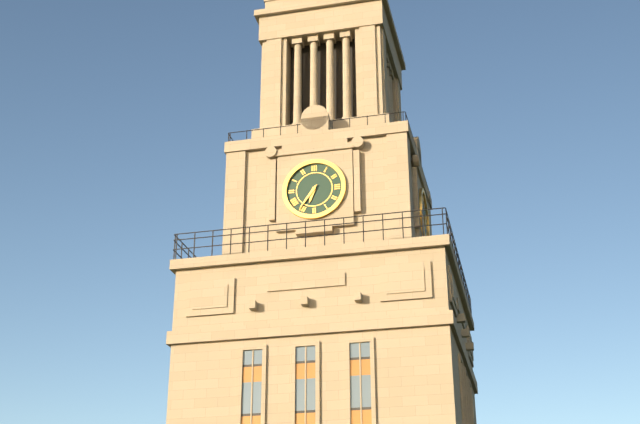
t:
**6:36**
